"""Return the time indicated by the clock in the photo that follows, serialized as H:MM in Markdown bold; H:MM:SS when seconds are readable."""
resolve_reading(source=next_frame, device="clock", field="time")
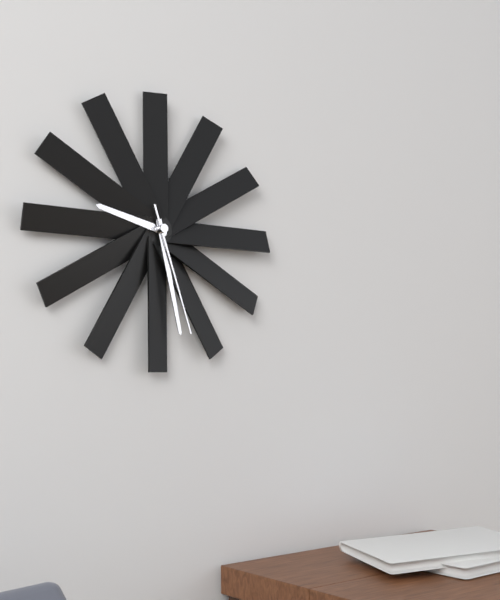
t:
**9:28:27**
